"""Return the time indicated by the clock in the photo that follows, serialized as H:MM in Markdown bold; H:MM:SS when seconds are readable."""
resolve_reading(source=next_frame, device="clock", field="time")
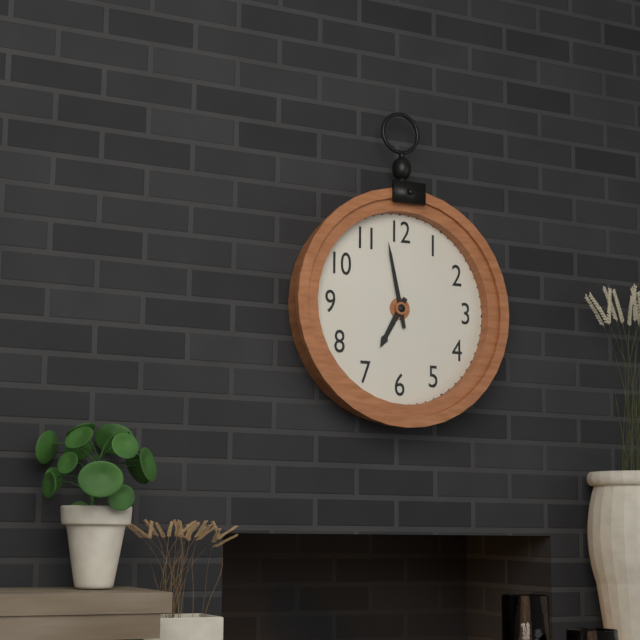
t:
**6:58**
